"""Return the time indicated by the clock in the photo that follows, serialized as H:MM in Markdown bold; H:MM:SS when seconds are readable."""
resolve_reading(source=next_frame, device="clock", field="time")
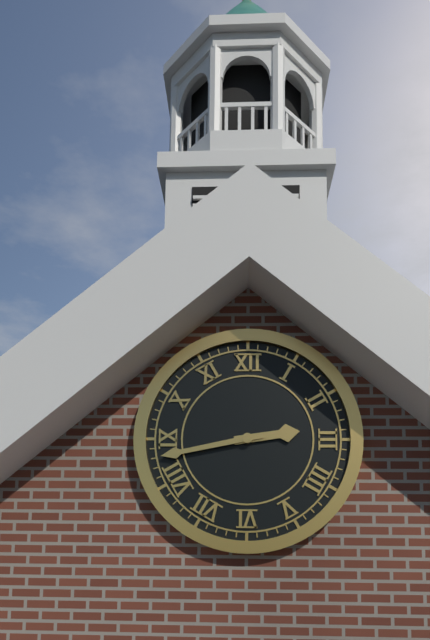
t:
**2:43**
